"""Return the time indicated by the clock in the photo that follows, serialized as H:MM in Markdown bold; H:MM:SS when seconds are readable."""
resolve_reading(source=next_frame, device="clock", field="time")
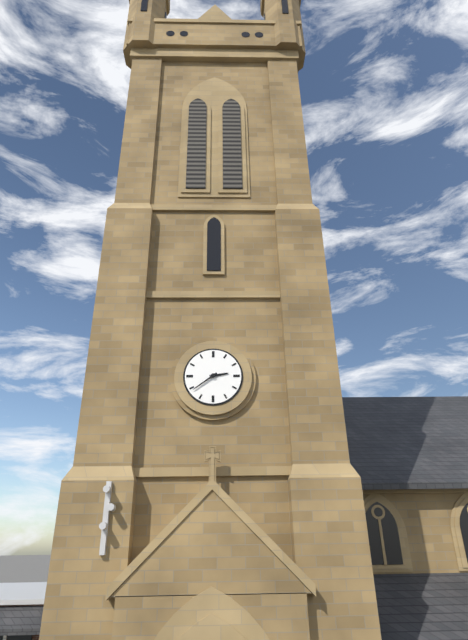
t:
**2:39**
